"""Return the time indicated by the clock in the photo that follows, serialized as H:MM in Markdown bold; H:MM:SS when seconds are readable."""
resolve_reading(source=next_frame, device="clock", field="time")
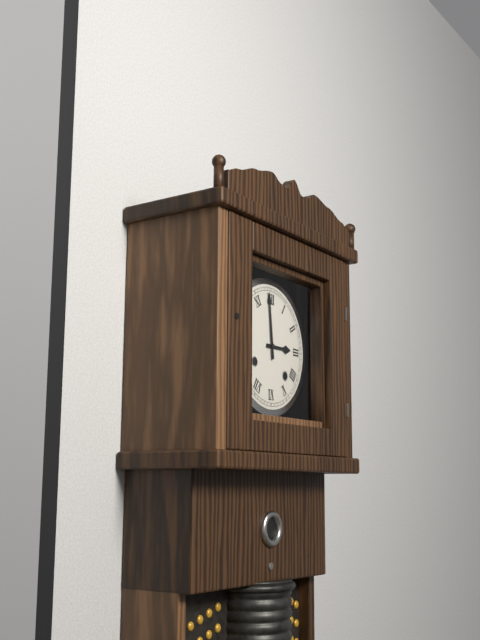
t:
**2:59**
